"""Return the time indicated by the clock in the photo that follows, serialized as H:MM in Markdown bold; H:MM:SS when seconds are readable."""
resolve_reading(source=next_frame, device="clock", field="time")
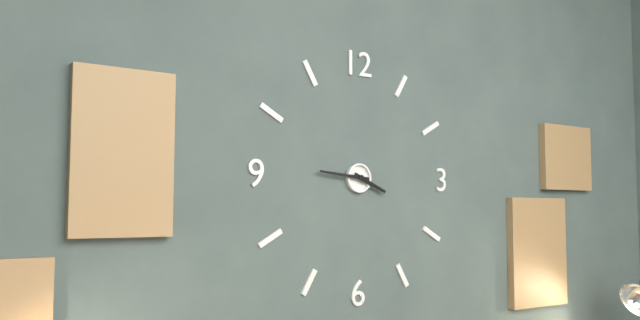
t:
**3:46**
